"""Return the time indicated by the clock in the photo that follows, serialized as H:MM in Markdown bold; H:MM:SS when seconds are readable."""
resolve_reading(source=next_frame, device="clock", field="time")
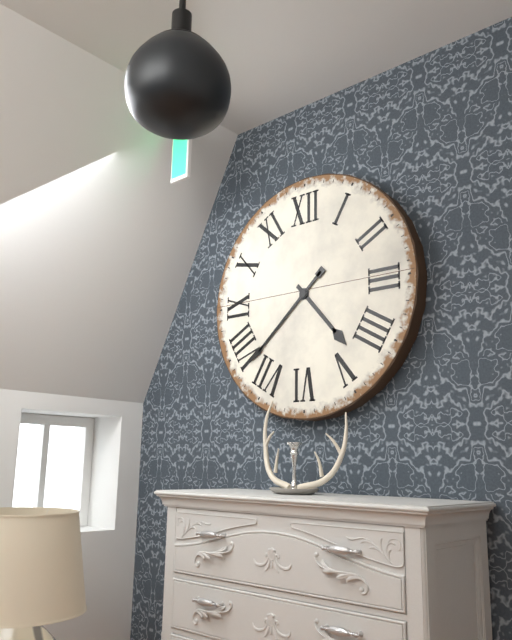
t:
**4:38**
